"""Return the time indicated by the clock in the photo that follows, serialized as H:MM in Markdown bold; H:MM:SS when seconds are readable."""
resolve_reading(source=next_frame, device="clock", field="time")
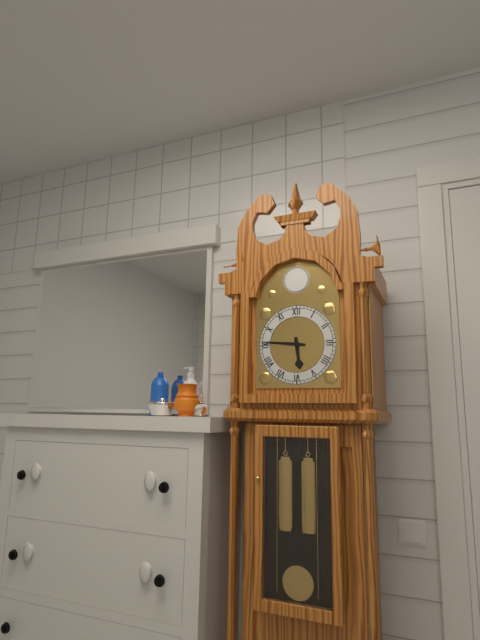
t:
**5:46**
